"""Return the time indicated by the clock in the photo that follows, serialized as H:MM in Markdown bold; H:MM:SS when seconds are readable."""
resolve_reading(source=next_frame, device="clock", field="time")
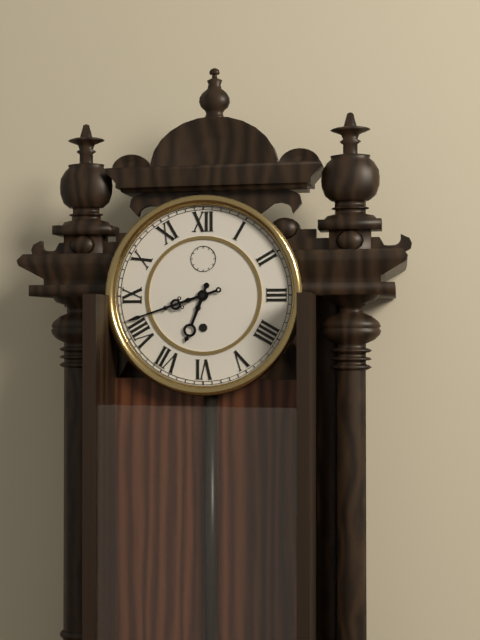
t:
**6:42**
